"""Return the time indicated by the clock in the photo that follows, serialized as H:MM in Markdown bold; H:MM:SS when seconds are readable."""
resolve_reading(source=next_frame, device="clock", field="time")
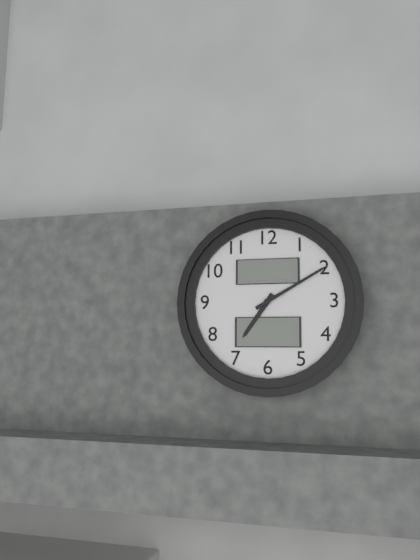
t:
**7:10**
